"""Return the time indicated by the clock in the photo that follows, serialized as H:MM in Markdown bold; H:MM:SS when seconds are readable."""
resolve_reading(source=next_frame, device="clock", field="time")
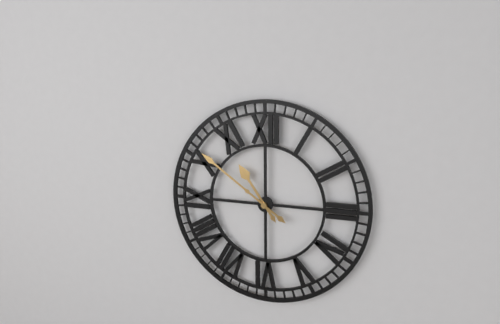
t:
**10:51**
